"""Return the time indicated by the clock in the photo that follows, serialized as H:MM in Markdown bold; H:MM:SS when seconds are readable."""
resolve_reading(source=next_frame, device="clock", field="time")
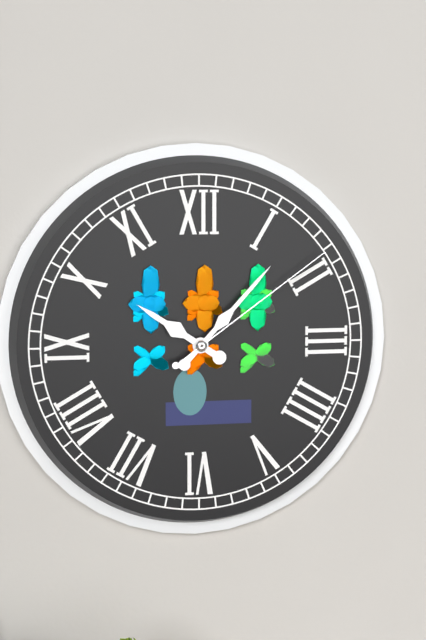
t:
**10:07:09**
